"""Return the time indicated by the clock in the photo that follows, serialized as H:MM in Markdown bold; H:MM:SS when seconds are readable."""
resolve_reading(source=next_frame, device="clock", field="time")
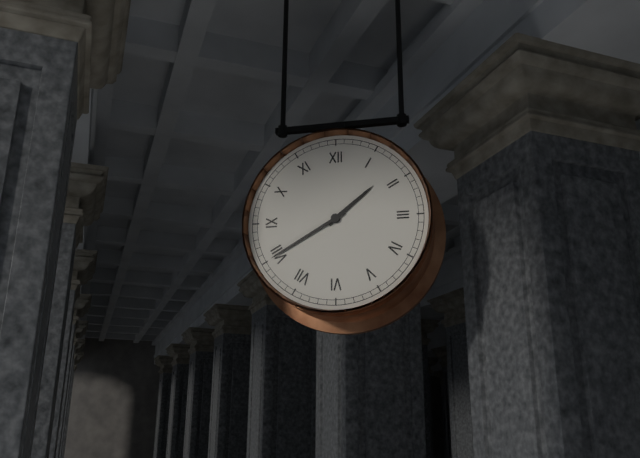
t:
**1:40**
